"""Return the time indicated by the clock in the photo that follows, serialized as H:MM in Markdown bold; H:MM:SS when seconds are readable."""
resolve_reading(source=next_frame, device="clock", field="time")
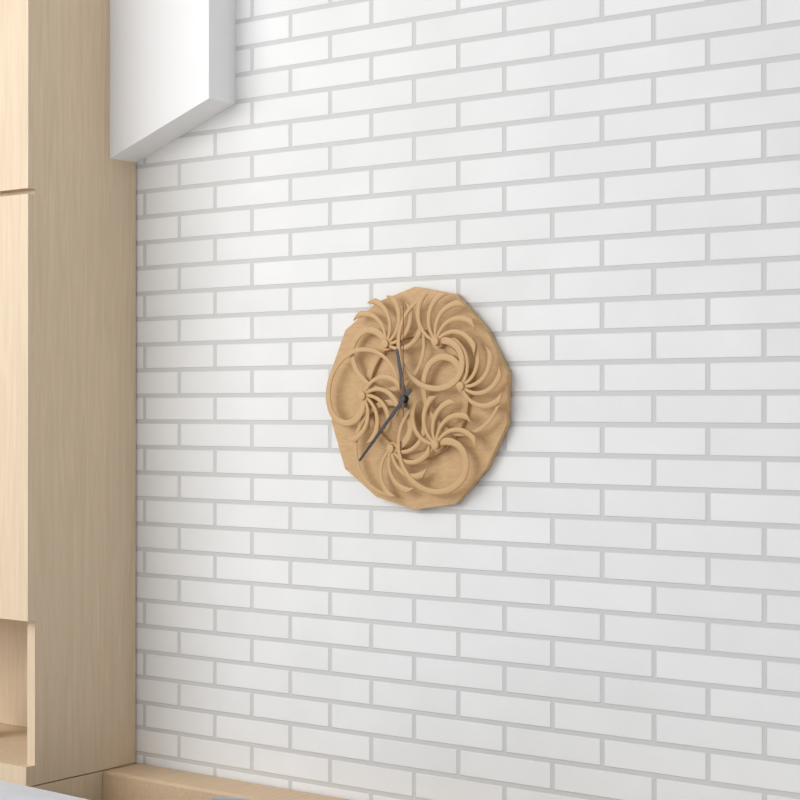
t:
**11:37:00**
